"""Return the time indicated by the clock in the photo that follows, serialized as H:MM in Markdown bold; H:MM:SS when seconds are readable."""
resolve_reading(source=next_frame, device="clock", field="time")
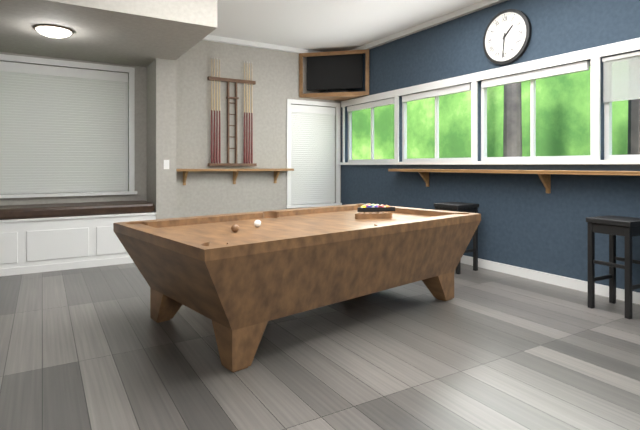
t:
**1:31**
